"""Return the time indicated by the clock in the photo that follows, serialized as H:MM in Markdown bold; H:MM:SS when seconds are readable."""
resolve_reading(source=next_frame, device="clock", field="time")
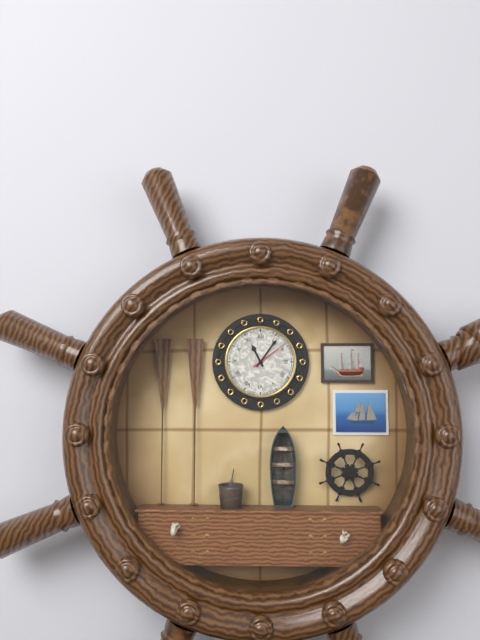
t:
**11:06**
